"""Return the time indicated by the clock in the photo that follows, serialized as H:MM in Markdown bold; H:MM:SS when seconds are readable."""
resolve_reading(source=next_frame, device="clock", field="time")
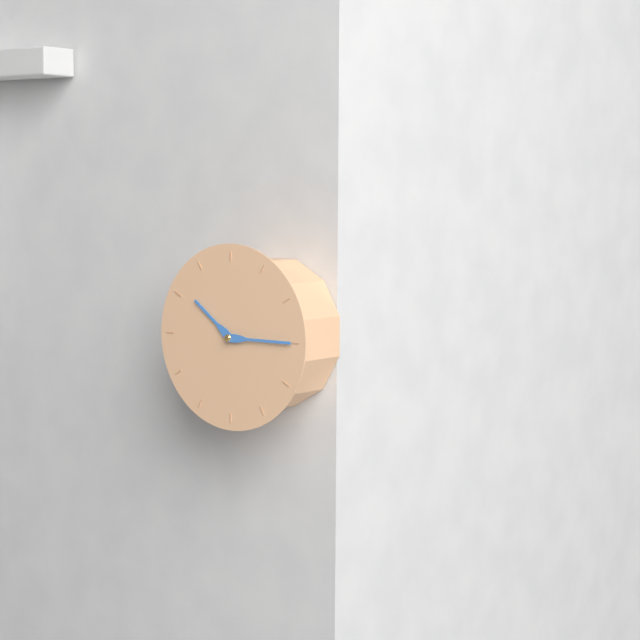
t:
**10:15**
